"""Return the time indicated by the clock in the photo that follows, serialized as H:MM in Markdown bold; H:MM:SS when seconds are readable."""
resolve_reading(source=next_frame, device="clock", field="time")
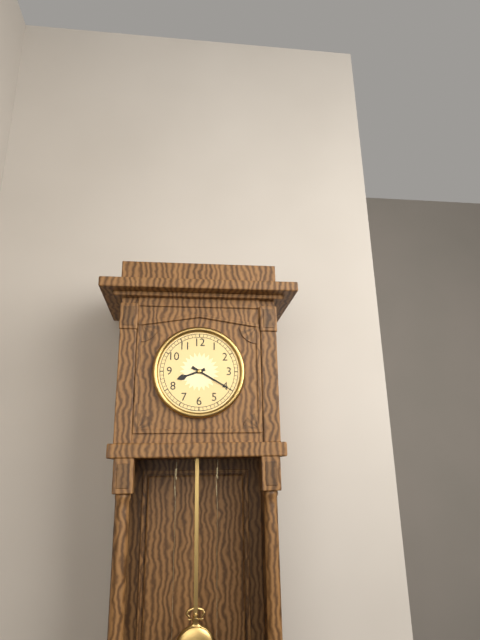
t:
**8:20**
